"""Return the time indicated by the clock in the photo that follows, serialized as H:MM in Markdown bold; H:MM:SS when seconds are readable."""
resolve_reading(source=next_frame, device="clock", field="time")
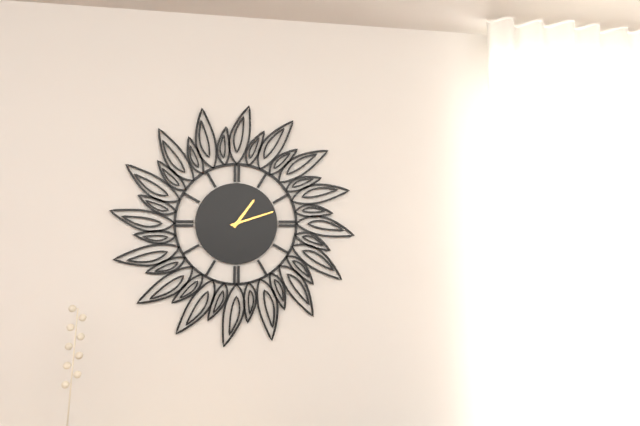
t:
**1:12**
